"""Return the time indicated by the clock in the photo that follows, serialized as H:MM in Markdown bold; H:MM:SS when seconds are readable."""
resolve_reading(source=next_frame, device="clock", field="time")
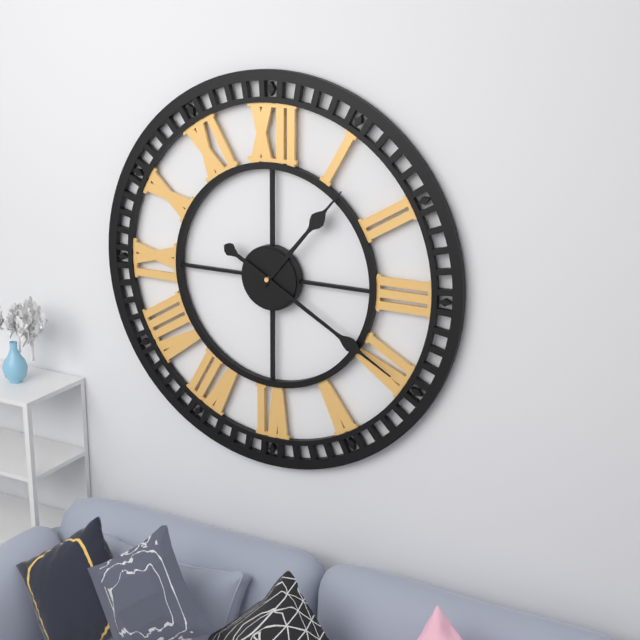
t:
**1:20**
